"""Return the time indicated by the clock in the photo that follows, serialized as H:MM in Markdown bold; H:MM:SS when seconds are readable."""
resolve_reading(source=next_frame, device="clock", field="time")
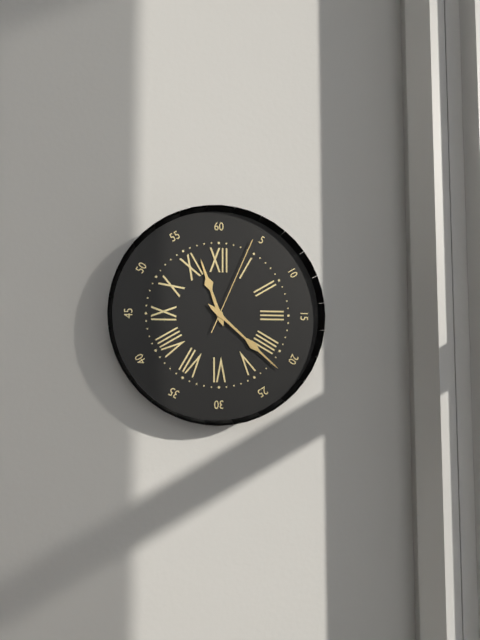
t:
**11:22:04**
